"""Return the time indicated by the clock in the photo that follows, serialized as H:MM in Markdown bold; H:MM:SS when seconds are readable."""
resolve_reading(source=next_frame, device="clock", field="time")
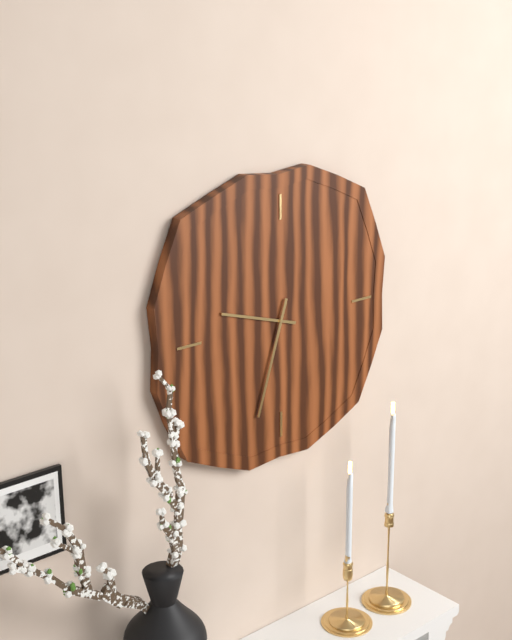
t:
**9:33**
